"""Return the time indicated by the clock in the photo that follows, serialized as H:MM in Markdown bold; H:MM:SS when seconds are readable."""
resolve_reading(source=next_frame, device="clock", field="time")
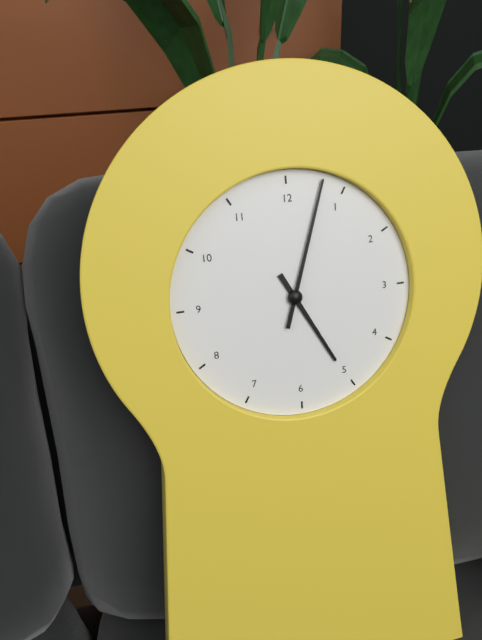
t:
**5:03**
